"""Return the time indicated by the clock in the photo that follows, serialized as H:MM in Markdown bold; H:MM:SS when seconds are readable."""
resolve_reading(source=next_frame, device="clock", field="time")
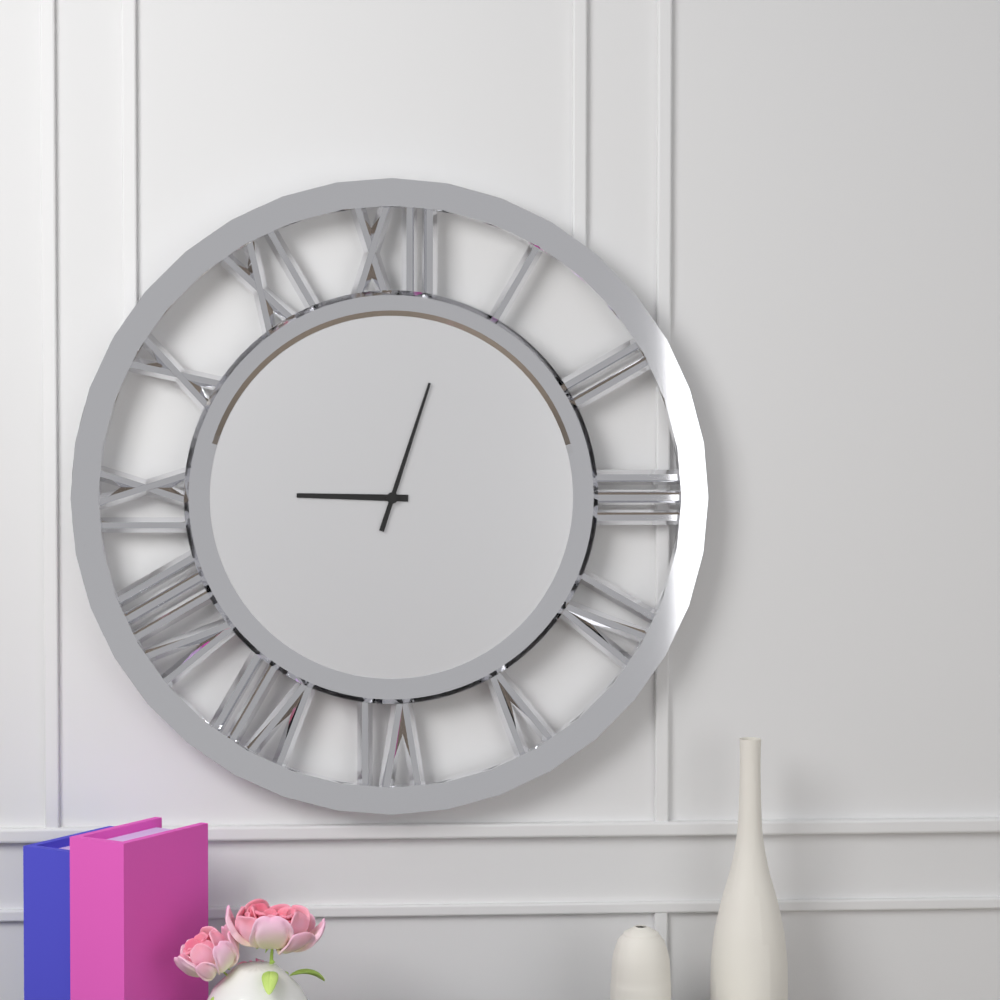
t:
**9:03**
